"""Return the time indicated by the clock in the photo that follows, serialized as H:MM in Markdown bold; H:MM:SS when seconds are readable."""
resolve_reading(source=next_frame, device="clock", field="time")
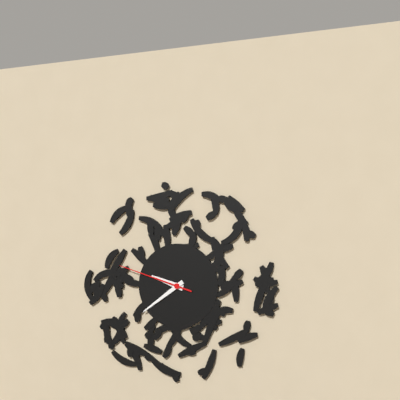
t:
**9:39:48**
